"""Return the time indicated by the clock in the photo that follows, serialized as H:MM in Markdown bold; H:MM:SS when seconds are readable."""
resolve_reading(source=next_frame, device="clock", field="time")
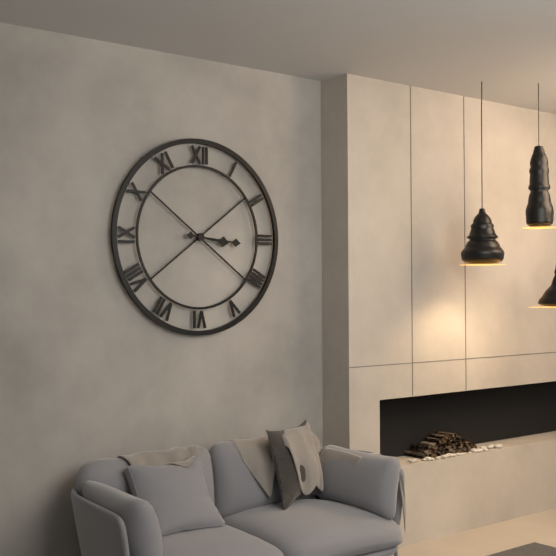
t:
**3:16**
